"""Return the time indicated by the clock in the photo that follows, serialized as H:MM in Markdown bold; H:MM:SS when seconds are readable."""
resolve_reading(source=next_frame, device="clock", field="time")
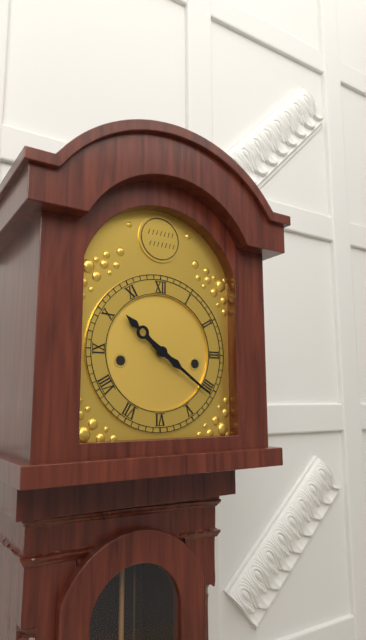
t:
**10:21**
